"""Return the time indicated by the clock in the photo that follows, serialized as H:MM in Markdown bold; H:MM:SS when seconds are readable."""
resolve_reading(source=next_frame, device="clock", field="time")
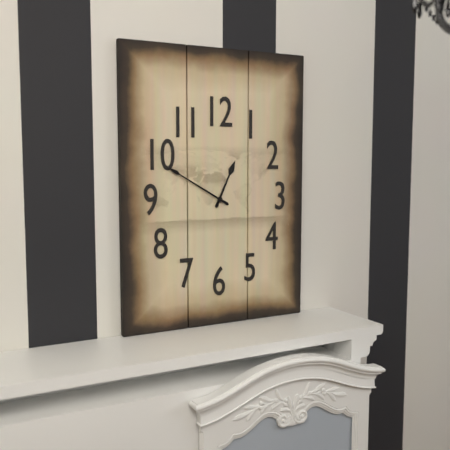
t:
**12:50**
